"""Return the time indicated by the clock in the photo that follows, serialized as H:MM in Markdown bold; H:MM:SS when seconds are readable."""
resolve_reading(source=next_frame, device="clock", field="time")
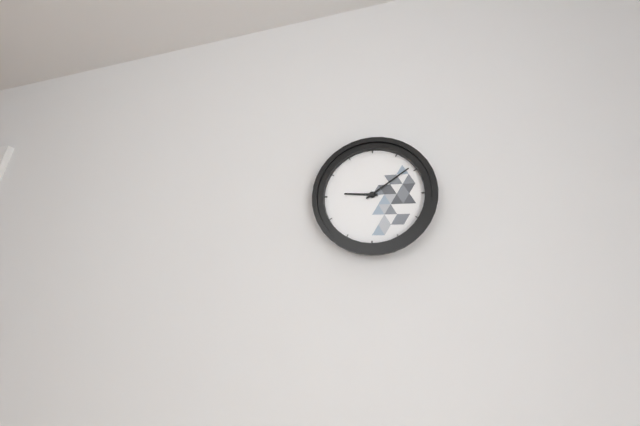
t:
**9:09**
